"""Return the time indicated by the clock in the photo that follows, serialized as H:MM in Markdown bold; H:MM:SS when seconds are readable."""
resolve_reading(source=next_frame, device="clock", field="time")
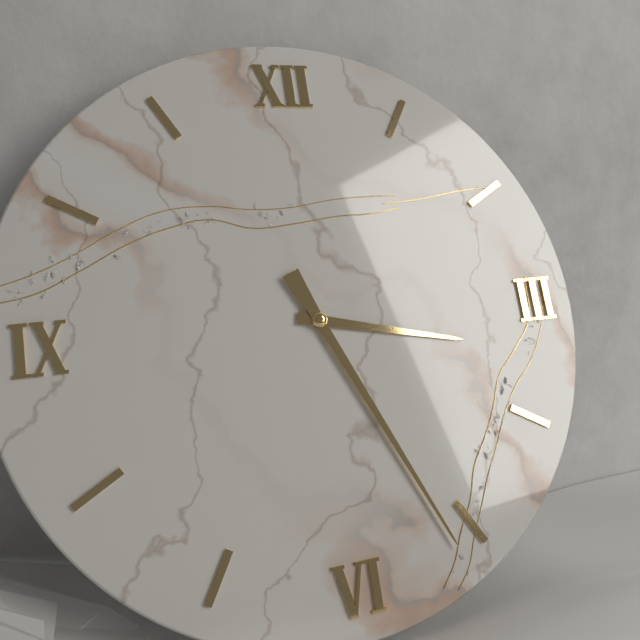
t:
**3:26**
